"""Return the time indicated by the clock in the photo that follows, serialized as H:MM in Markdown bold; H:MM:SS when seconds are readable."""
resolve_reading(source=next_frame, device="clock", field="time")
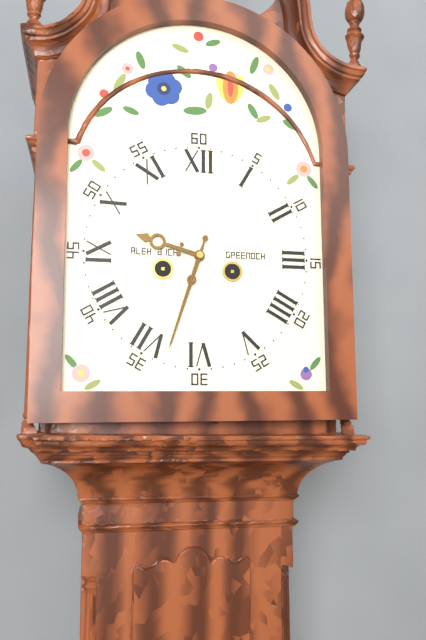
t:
**9:33**
